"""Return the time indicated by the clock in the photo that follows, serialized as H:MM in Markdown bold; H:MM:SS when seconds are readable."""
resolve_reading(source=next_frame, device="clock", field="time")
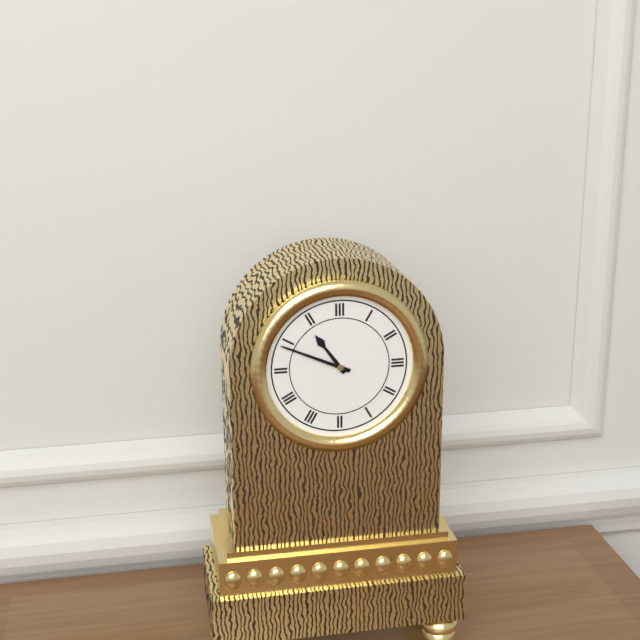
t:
**10:49**
